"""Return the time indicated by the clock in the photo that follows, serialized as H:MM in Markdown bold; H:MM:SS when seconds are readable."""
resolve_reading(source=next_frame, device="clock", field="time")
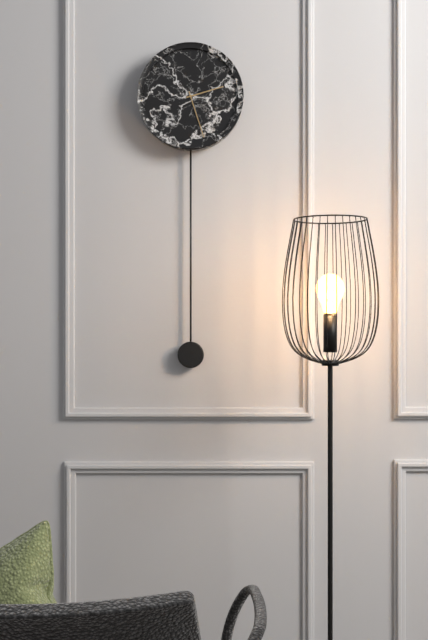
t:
**2:27**
